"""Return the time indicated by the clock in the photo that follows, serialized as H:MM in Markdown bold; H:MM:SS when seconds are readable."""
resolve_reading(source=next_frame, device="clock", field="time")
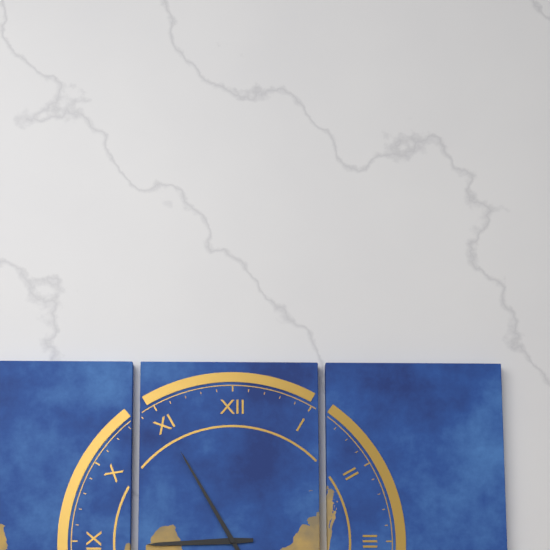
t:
**8:55**
